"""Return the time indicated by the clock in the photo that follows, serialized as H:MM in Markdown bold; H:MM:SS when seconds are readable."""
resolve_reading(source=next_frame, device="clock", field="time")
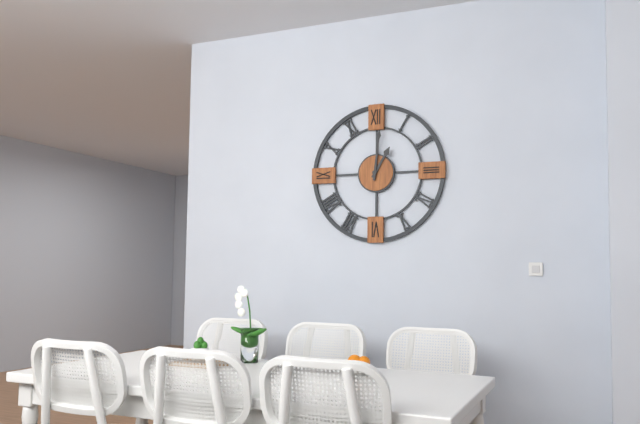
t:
**1:01**
